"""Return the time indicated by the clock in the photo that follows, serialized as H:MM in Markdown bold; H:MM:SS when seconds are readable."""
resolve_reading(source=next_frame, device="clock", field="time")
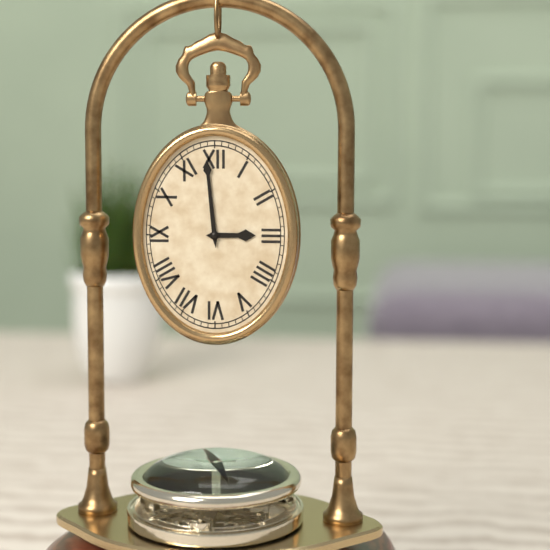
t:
**2:59**
